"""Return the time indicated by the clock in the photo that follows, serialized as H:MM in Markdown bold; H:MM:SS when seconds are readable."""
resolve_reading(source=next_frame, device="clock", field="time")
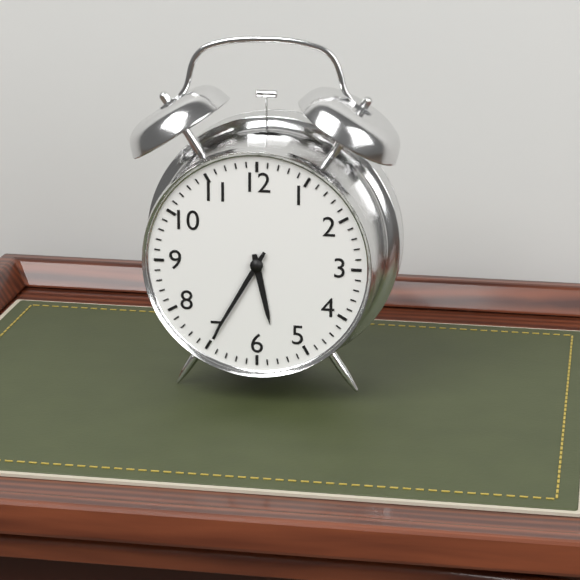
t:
**5:35**
